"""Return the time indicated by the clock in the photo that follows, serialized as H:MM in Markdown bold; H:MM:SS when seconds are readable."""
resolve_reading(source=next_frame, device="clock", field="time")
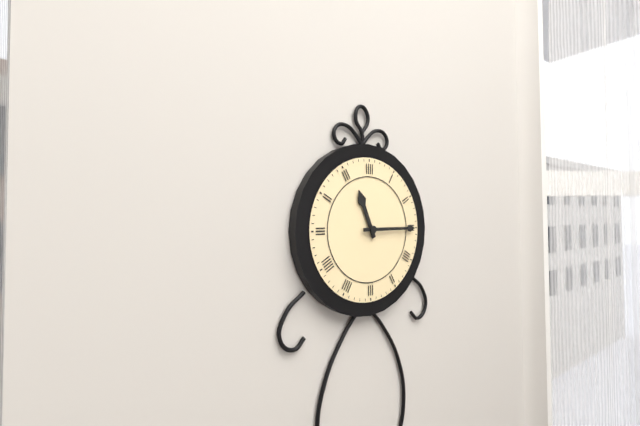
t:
**11:15**
